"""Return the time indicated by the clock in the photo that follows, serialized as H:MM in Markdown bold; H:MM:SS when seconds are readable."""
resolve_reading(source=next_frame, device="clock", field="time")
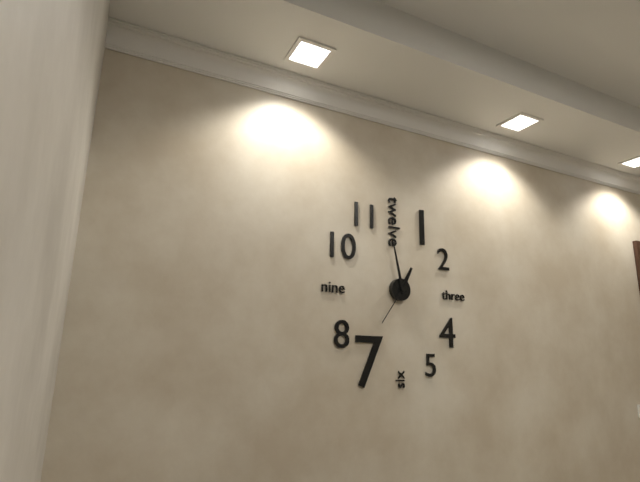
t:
**12:58**
